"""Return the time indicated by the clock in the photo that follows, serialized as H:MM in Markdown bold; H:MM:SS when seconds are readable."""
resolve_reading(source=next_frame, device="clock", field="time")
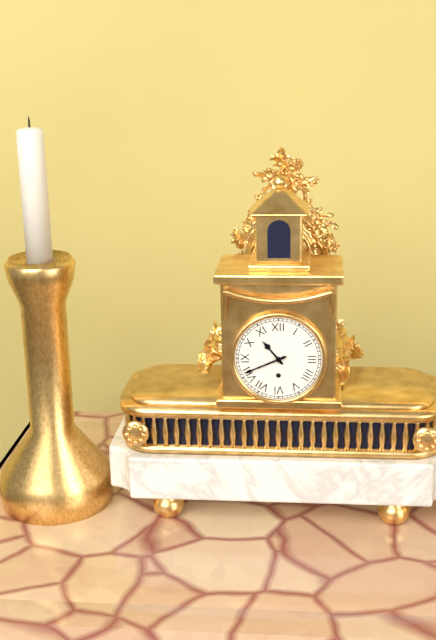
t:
**10:41**
